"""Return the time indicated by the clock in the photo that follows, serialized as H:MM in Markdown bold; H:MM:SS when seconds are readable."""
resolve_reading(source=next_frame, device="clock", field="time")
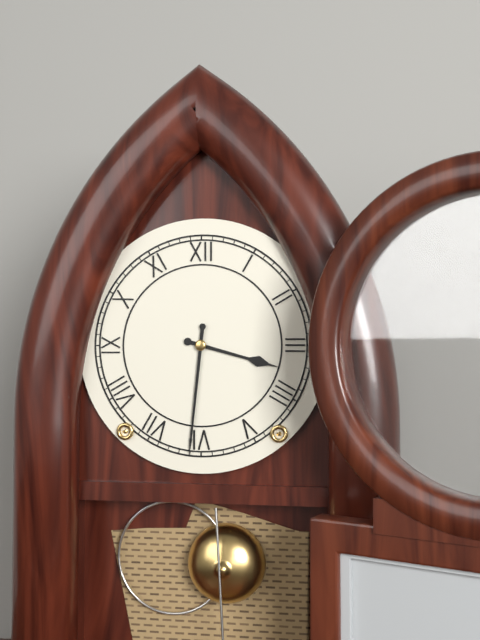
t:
**3:31**
